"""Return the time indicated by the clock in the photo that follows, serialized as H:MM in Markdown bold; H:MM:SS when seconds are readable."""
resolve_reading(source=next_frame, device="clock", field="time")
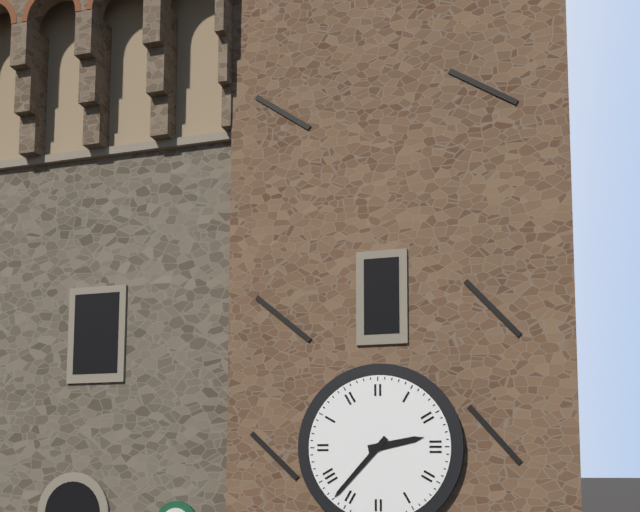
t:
**2:37**
